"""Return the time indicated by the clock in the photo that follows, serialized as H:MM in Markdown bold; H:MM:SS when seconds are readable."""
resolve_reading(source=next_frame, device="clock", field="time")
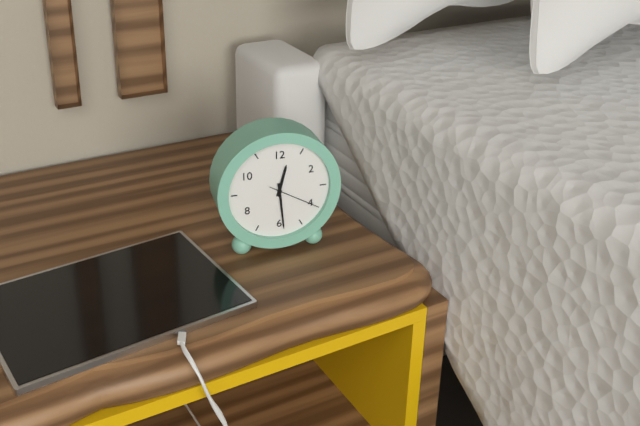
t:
**12:29:20**
